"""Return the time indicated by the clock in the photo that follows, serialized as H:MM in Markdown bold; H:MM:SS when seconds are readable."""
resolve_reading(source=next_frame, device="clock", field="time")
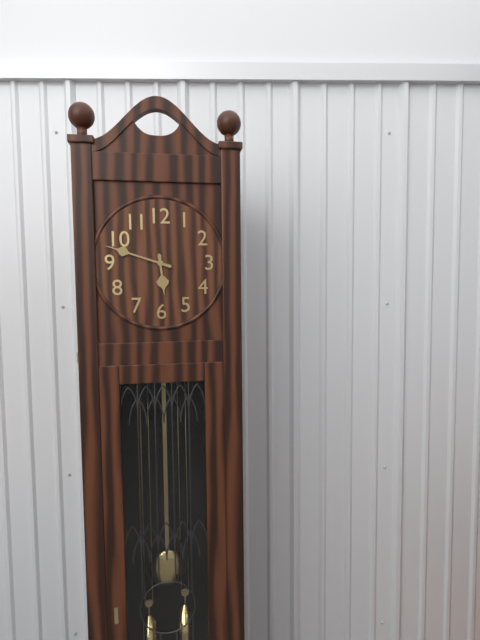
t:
**5:48**
